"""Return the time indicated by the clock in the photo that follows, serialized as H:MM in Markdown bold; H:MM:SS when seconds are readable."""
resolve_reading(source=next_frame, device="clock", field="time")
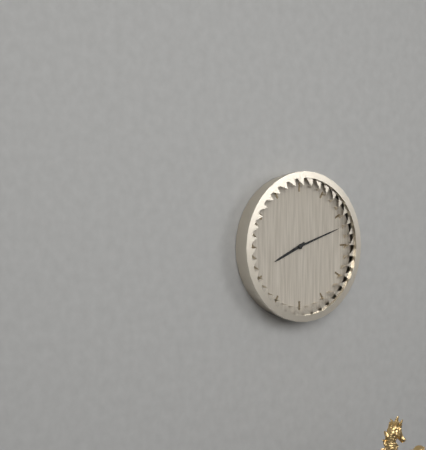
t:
**8:12**
